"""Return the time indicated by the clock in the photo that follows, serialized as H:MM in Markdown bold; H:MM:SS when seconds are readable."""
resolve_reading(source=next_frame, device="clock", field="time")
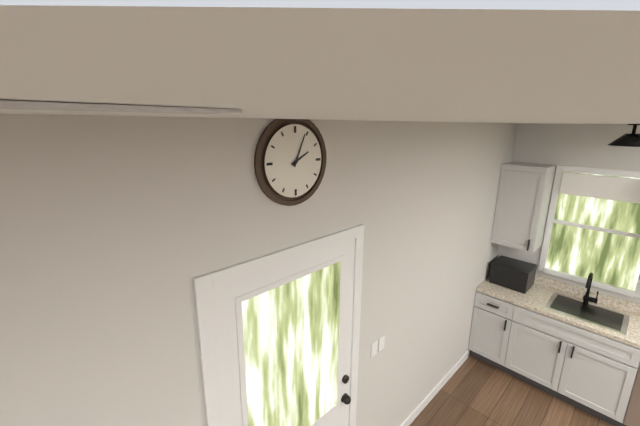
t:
**2:04**
